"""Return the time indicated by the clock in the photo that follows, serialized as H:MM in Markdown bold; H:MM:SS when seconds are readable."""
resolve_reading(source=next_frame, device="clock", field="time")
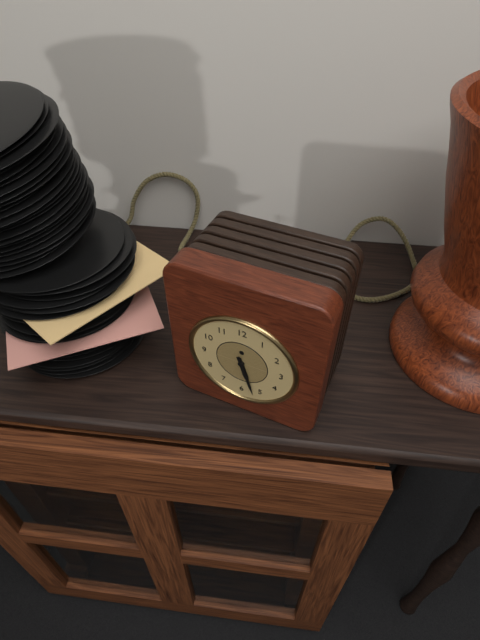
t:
**5:27**
